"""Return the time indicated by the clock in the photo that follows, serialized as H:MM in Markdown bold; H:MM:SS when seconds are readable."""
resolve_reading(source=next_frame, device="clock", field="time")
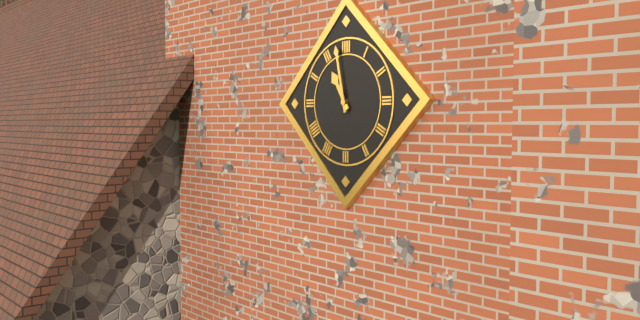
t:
**10:58**
